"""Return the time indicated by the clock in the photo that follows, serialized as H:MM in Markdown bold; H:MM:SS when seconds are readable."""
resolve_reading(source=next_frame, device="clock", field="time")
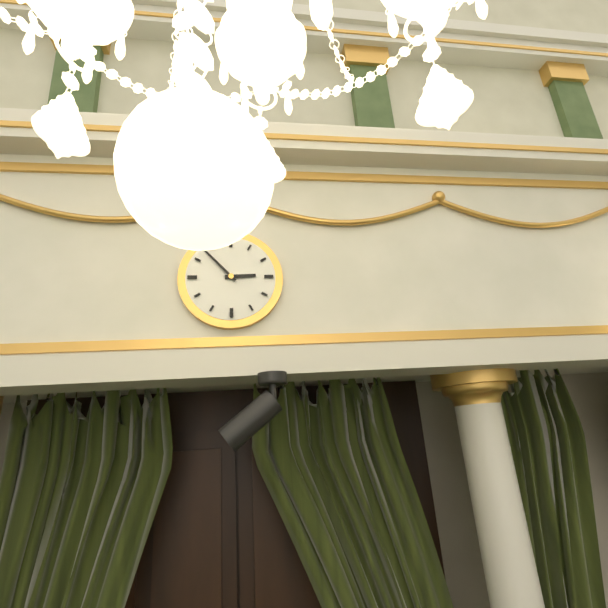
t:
**2:53**
